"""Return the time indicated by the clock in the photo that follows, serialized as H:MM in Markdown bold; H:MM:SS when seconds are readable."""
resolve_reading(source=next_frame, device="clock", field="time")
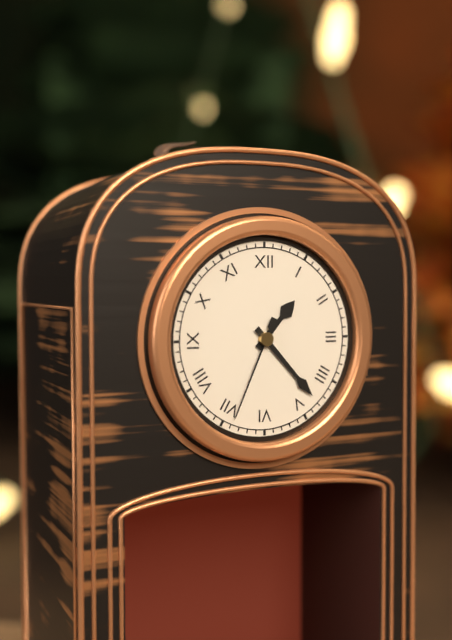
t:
**1:23:34**
